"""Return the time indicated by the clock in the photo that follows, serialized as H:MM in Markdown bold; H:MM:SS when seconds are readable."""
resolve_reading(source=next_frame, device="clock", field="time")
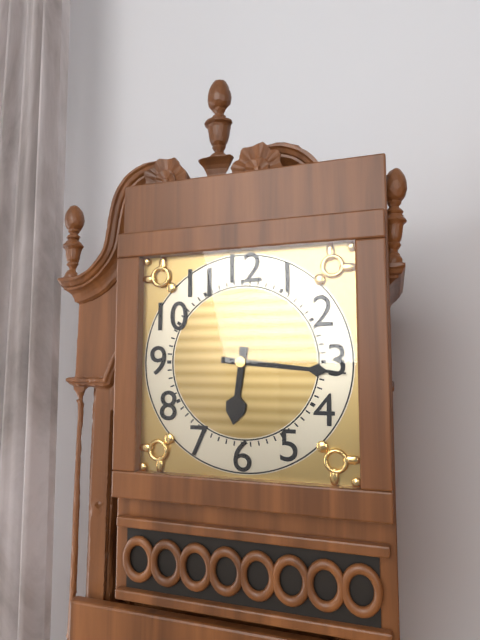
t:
**6:16**
